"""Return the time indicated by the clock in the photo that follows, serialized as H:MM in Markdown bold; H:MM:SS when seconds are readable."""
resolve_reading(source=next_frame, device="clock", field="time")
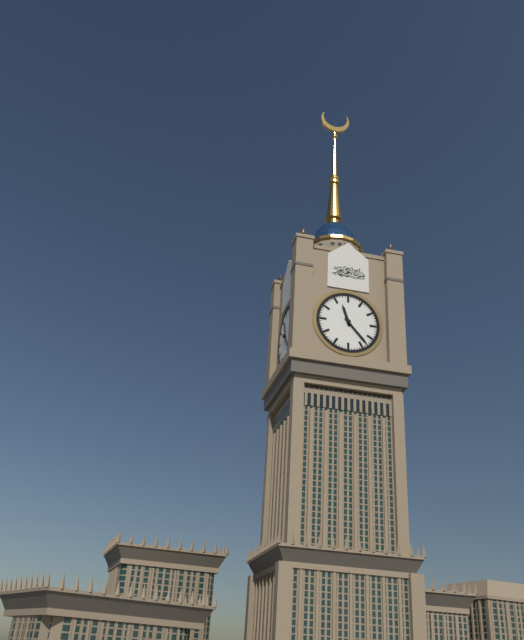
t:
**11:23**
